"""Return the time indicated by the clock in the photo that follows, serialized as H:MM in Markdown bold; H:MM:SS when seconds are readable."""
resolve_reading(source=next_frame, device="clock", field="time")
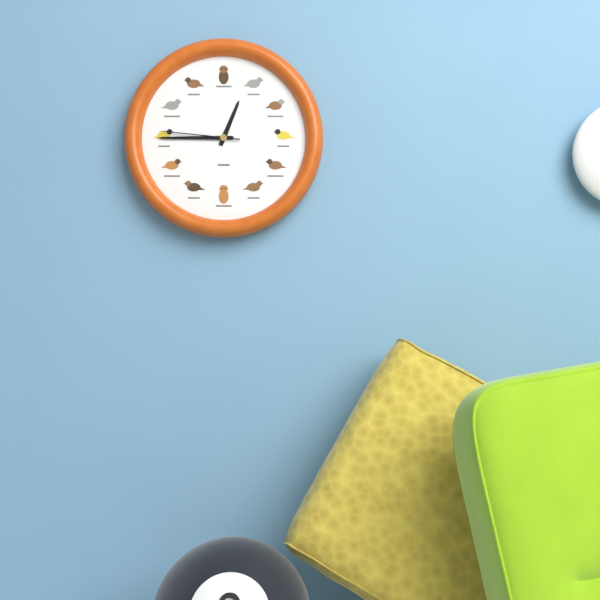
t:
**12:45:46**
